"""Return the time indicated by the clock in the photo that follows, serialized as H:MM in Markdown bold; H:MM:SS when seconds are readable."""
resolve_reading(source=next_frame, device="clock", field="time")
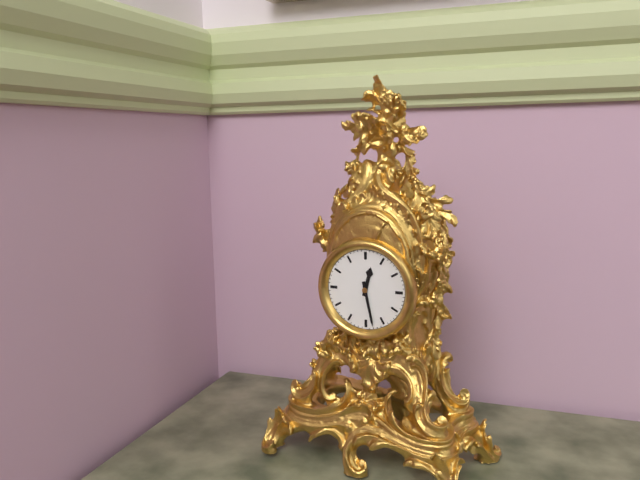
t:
**12:28**
